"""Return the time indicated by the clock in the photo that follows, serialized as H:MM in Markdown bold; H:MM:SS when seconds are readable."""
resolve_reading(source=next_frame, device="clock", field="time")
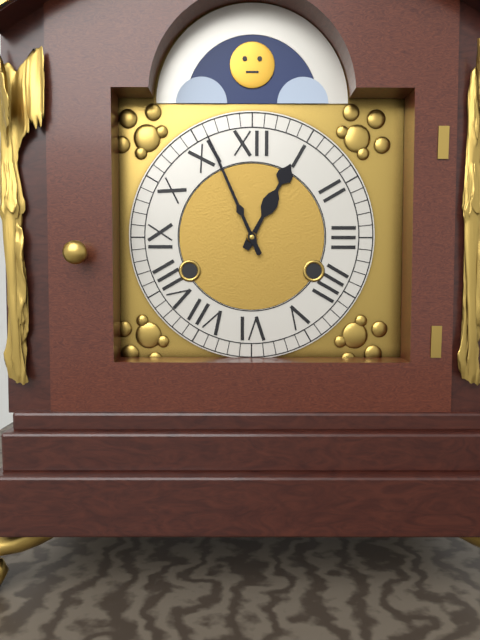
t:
**12:56**
